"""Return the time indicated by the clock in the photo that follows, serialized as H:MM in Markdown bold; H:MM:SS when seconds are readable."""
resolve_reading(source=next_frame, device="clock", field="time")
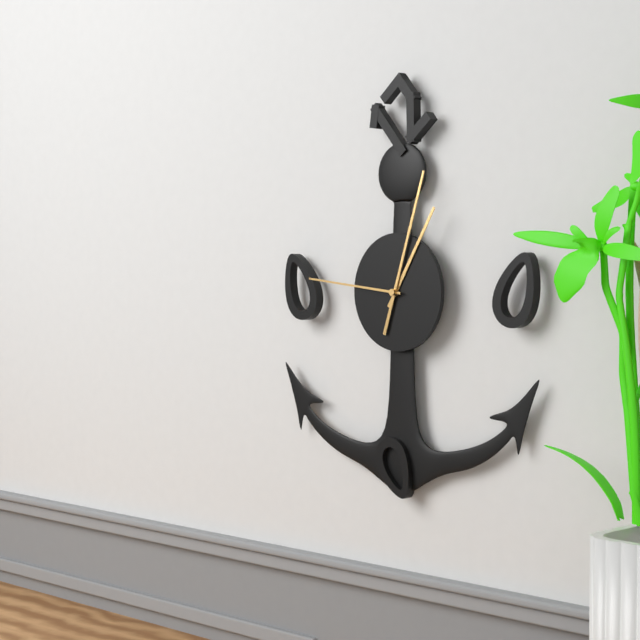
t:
**1:03:46**
